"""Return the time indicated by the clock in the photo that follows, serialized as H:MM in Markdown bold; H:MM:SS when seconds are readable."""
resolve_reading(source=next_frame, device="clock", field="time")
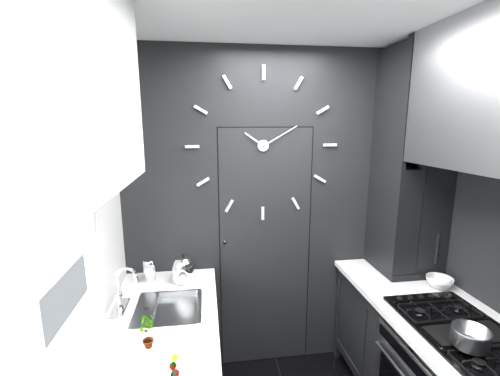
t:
**10:10**
